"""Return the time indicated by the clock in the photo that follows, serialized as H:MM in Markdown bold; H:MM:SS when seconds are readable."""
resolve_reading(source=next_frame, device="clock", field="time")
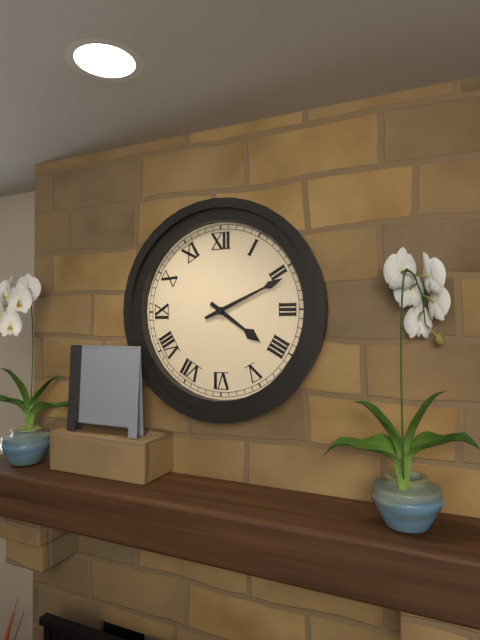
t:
**4:11**
